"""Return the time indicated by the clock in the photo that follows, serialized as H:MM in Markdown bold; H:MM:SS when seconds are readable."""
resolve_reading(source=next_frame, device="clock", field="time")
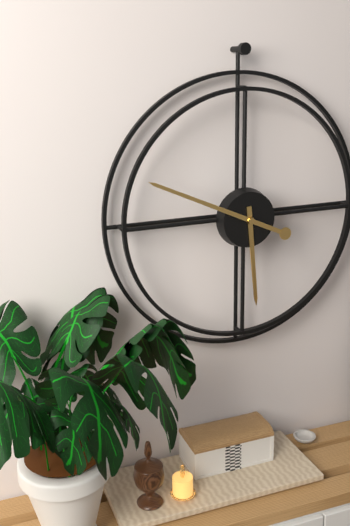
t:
**5:49**
